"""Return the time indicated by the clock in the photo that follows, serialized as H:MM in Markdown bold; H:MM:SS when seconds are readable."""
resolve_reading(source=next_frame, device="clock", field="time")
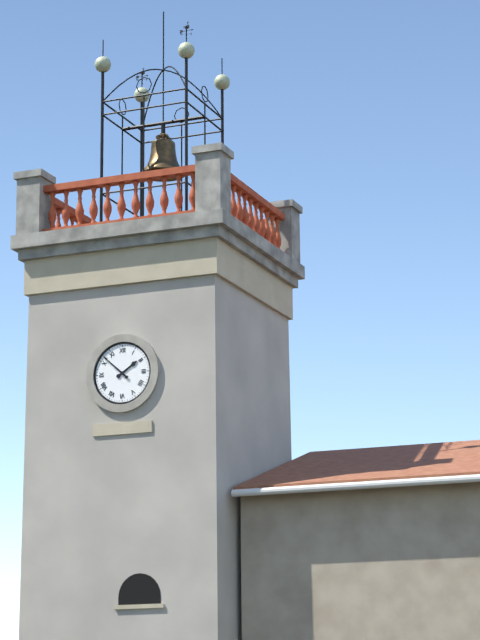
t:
**1:52**
